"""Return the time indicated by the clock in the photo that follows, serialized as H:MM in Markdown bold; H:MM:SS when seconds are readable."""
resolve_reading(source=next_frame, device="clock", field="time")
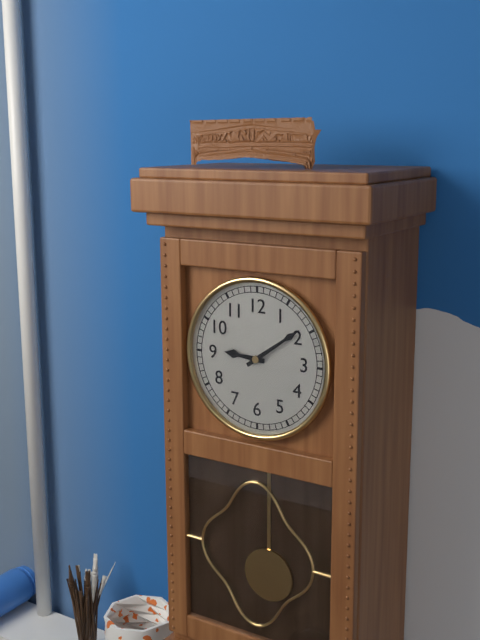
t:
**9:09**
